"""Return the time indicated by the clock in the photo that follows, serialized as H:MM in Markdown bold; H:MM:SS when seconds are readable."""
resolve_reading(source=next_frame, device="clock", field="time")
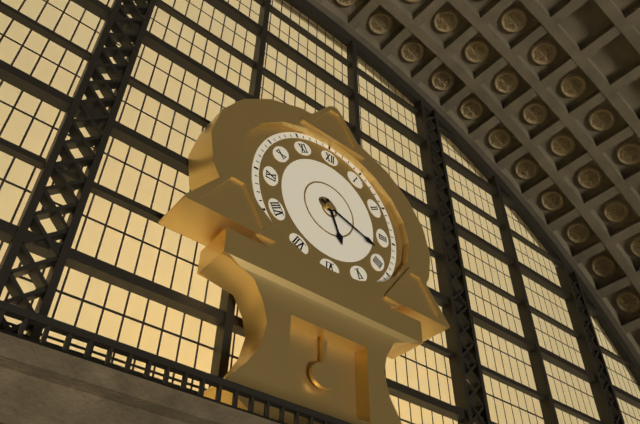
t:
**5:18**
